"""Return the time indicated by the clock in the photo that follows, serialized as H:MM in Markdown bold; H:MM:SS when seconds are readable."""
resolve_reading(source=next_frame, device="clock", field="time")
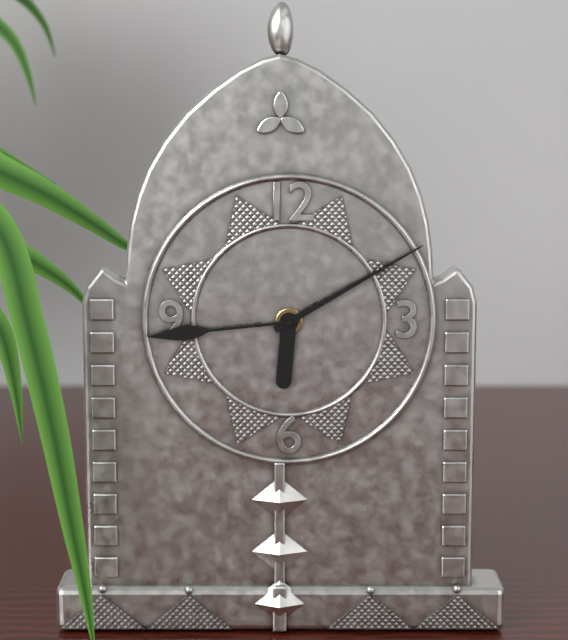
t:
**6:10:44**
